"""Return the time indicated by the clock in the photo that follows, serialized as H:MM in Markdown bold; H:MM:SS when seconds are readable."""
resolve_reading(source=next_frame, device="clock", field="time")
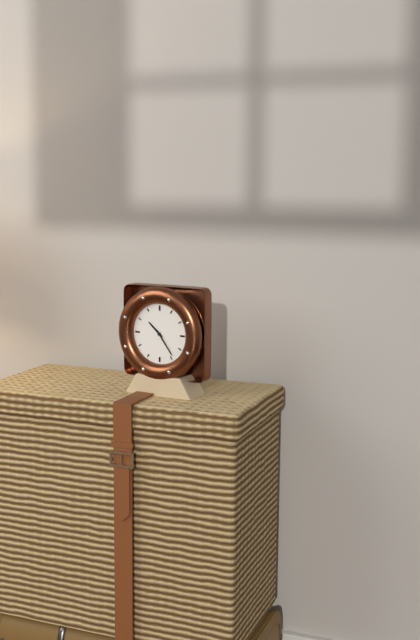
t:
**10:24**
